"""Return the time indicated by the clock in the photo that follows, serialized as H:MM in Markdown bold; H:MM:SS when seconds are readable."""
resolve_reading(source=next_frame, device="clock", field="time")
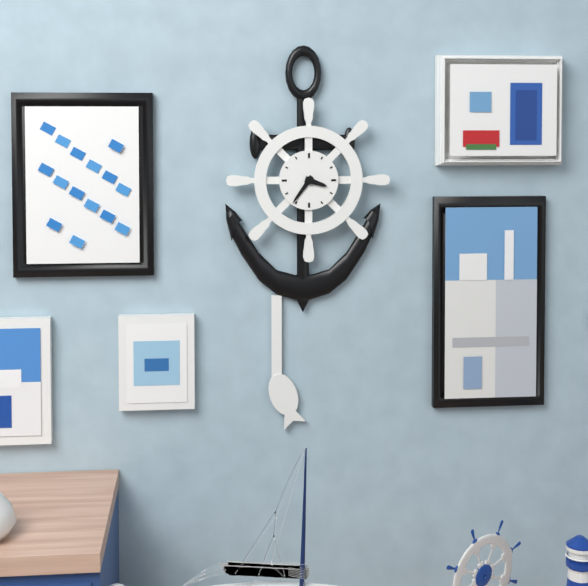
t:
**3:36**
